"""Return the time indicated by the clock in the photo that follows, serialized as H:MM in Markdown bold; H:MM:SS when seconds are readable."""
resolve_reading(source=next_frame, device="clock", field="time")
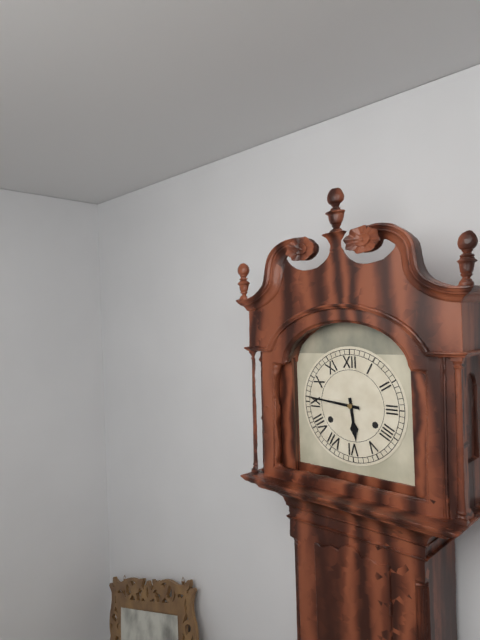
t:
**5:46**
